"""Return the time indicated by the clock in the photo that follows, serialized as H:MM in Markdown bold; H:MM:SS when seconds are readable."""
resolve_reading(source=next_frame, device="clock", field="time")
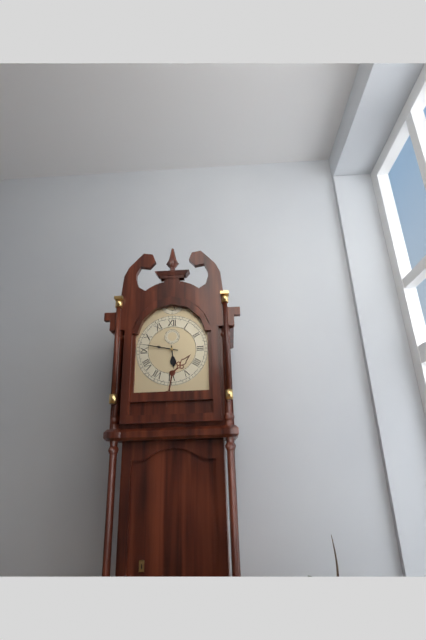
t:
**5:47**
